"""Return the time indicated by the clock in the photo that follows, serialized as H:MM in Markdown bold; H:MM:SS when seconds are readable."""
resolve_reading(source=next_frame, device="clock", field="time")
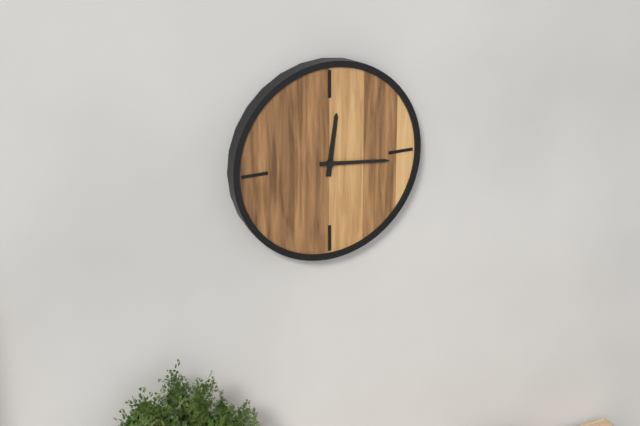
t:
**12:16**
